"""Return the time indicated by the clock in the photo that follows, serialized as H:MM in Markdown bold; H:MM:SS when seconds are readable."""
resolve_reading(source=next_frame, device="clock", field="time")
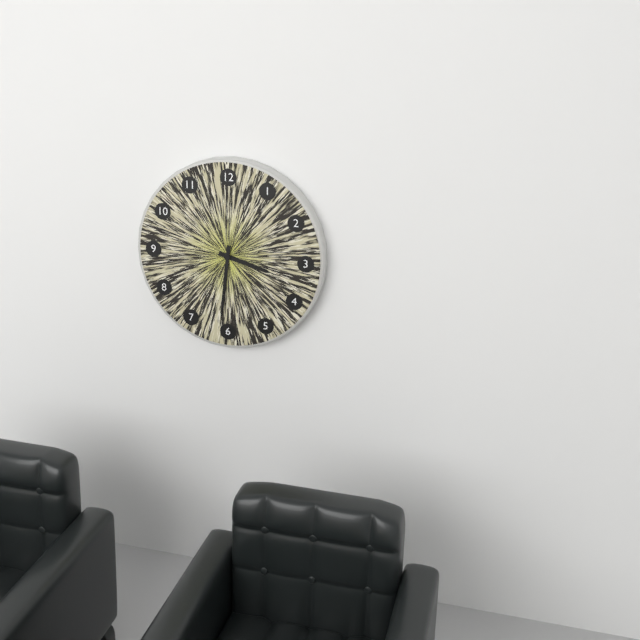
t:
**3:31**
